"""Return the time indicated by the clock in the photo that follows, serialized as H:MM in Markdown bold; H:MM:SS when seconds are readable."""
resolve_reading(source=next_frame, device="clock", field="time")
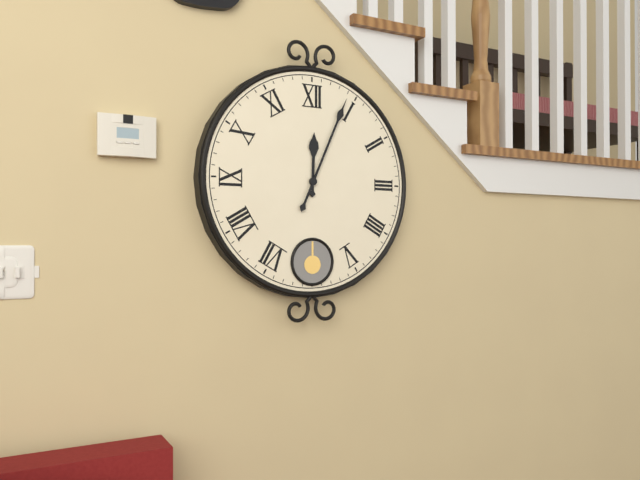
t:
**12:04**
